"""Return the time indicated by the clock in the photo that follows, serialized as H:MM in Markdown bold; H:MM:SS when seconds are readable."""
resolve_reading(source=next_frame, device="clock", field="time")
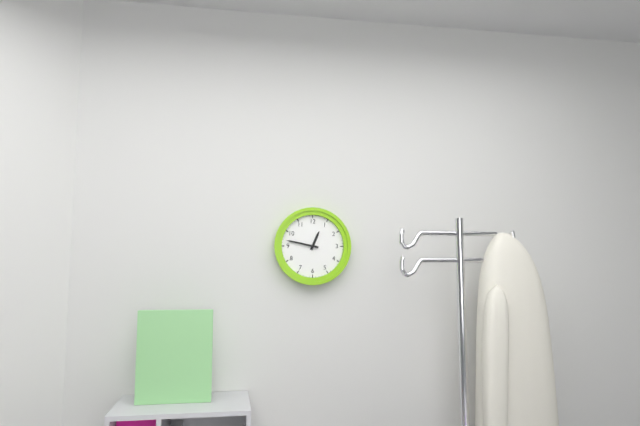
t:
**12:47**
